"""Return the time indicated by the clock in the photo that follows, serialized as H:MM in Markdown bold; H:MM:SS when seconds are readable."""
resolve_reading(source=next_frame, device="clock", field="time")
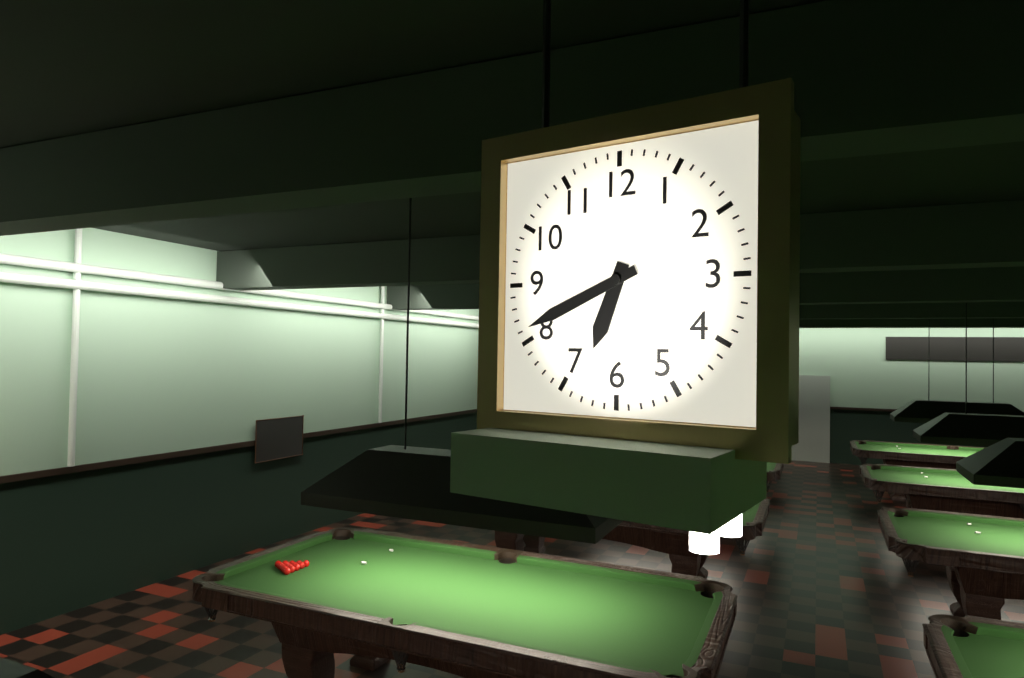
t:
**6:41**
